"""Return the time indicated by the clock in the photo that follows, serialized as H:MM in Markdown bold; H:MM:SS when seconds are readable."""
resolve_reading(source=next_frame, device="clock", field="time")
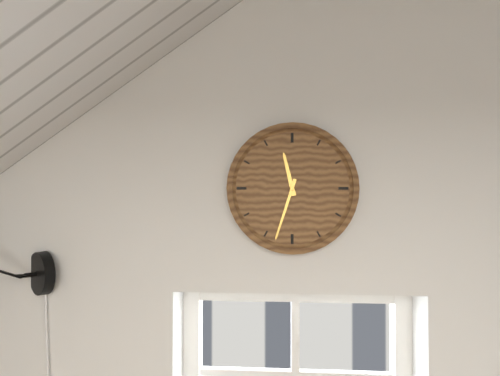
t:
**11:33**
